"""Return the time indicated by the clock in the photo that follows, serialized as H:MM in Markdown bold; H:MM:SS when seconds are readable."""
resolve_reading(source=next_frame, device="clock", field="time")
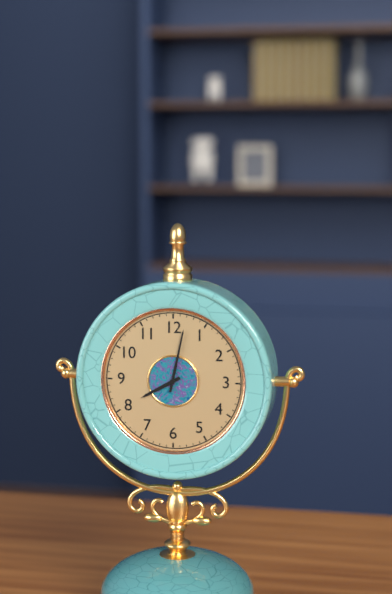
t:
**8:02**
